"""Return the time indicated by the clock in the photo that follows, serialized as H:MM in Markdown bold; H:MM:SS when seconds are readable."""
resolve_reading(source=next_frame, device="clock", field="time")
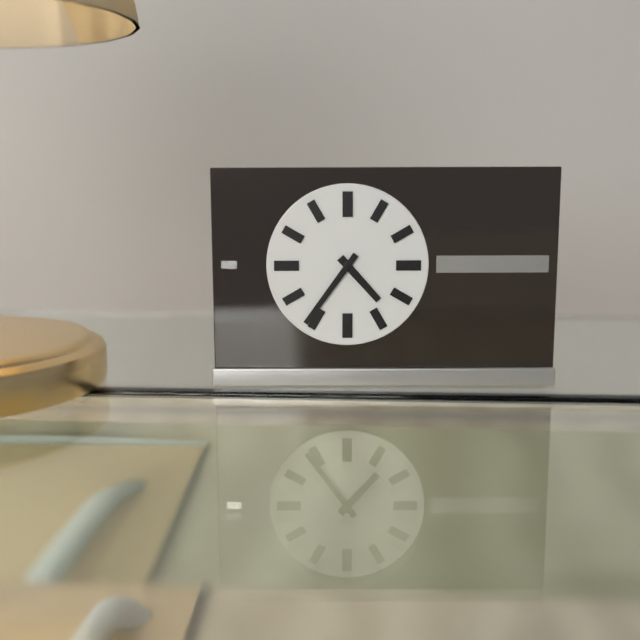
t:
**4:36**
